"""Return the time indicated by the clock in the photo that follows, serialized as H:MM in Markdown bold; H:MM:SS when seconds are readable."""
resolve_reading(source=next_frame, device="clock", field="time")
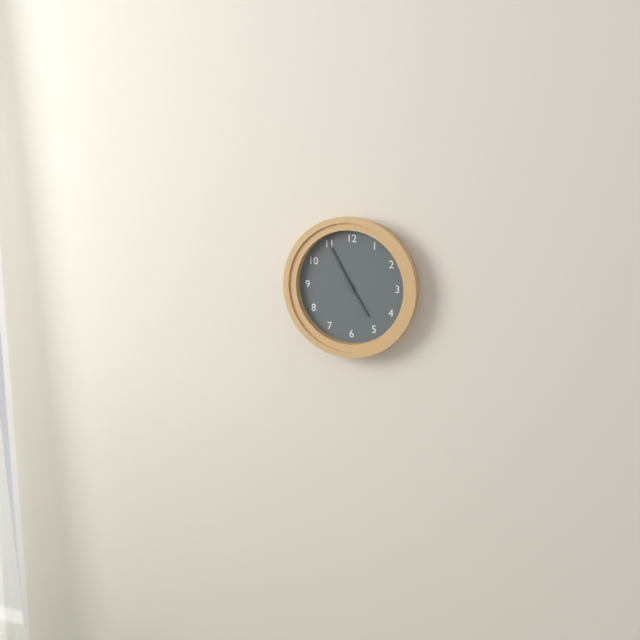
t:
**4:55**
